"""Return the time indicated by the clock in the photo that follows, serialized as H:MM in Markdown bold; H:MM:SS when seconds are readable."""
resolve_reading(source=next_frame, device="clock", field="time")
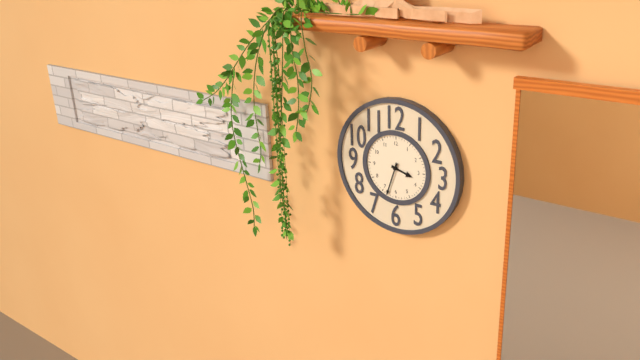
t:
**3:33**
